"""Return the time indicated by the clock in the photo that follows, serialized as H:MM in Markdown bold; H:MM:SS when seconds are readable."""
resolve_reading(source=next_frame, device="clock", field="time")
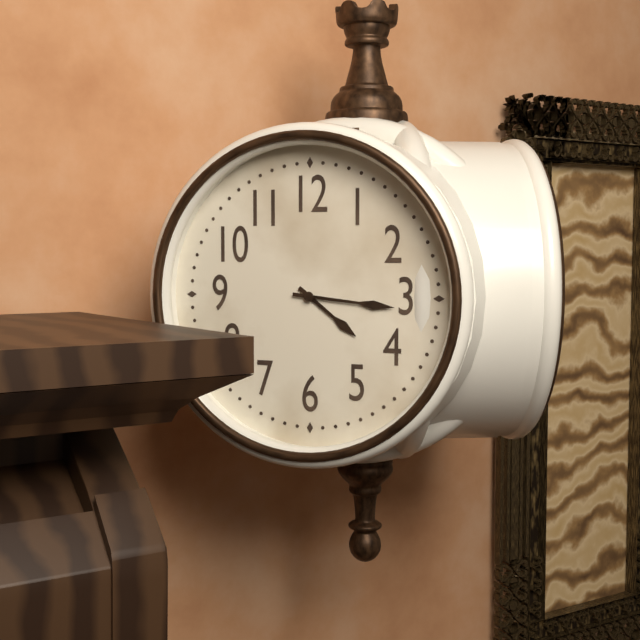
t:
**4:16**
